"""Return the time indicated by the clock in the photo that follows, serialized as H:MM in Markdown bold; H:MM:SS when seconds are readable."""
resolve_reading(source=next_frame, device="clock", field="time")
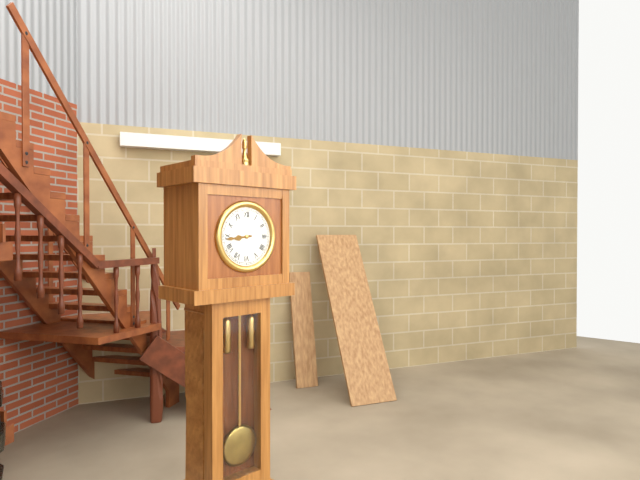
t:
**8:44**
